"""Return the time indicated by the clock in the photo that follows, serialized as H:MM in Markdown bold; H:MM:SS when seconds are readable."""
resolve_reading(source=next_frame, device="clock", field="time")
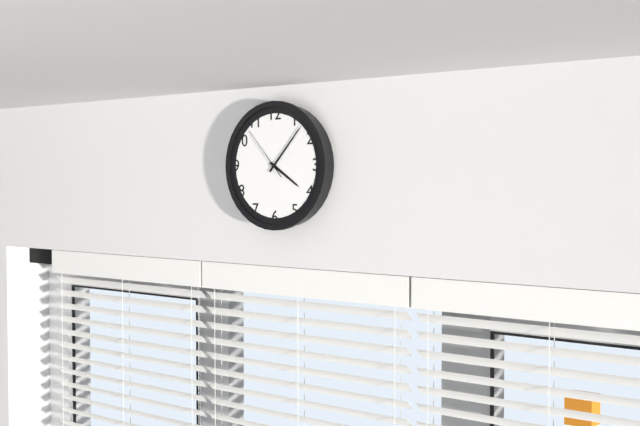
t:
**4:07:53**
